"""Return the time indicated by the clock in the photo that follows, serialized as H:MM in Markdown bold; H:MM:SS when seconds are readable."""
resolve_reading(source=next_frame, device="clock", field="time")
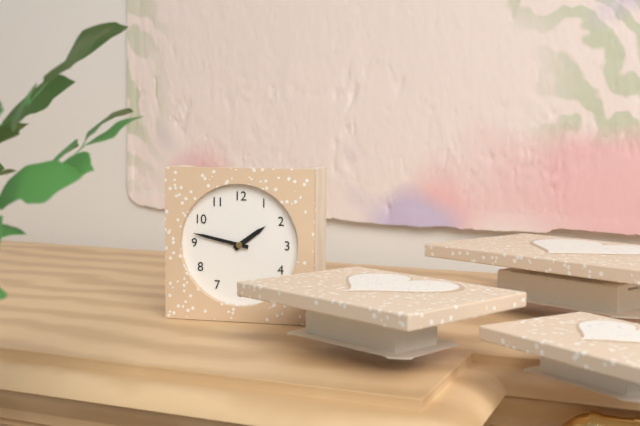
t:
**1:47**
